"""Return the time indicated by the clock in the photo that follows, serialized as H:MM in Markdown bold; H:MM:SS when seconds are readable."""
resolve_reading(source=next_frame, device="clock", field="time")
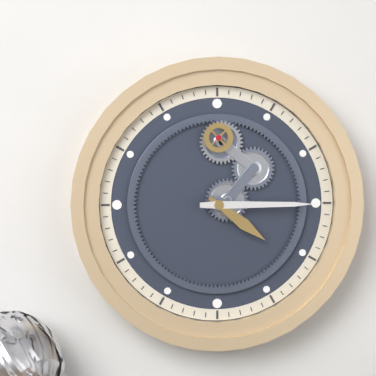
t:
**4:15**
